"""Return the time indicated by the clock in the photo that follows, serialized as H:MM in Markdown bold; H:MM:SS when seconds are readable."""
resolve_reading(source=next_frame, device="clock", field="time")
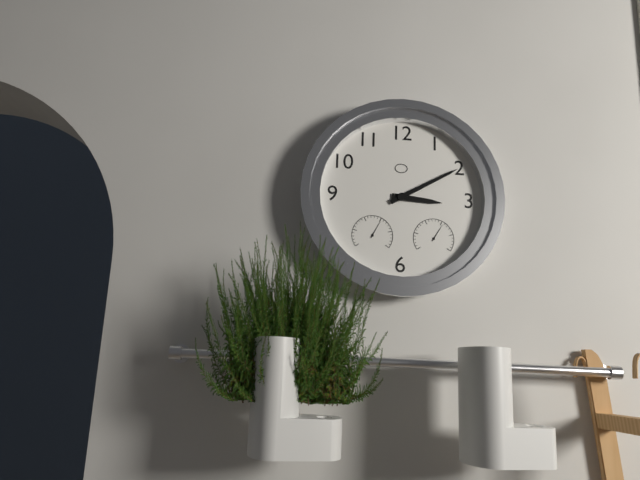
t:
**3:10**
